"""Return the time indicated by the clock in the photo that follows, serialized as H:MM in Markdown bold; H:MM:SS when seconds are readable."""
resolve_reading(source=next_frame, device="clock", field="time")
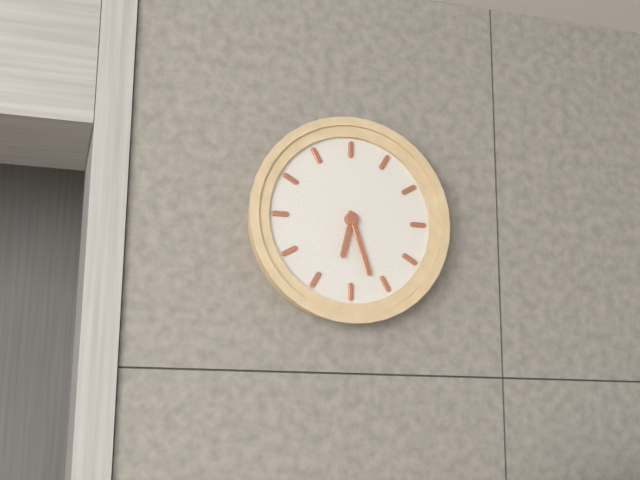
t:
**6:27**
